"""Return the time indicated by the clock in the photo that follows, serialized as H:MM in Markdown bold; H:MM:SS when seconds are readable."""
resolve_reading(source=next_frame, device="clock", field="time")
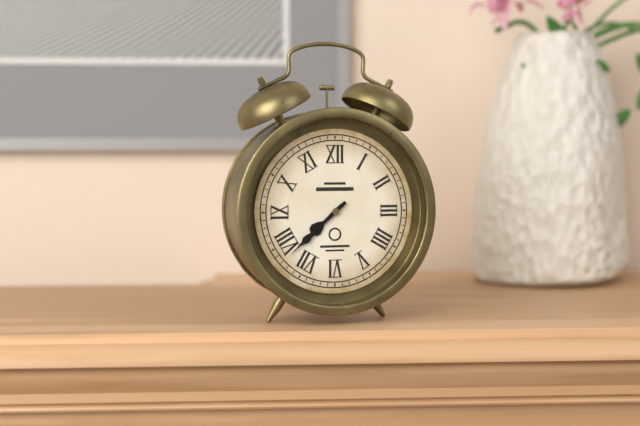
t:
**7:38**
